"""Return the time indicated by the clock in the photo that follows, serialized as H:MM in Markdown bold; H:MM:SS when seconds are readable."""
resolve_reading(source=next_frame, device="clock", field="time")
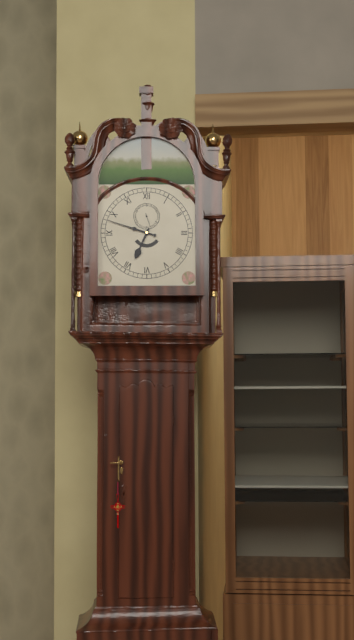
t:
**6:48**
